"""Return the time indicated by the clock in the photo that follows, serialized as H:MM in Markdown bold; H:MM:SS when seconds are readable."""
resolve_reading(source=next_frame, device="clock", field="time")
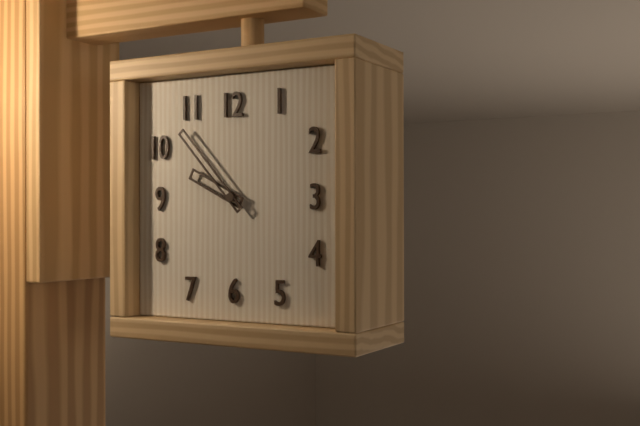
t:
**9:53**
